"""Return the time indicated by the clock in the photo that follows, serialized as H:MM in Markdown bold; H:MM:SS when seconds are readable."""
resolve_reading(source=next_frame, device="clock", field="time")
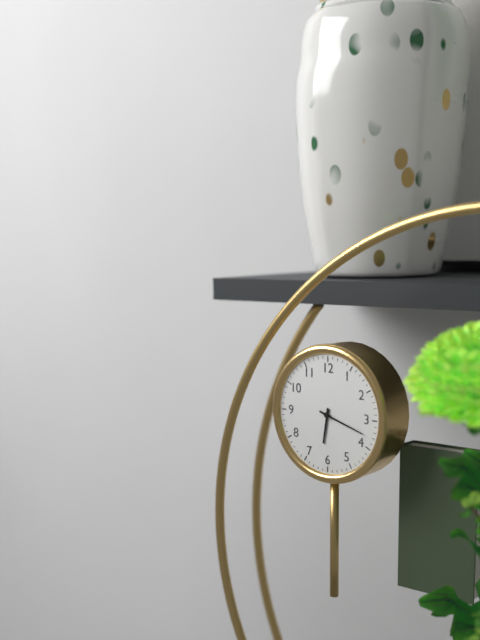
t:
**6:18**
